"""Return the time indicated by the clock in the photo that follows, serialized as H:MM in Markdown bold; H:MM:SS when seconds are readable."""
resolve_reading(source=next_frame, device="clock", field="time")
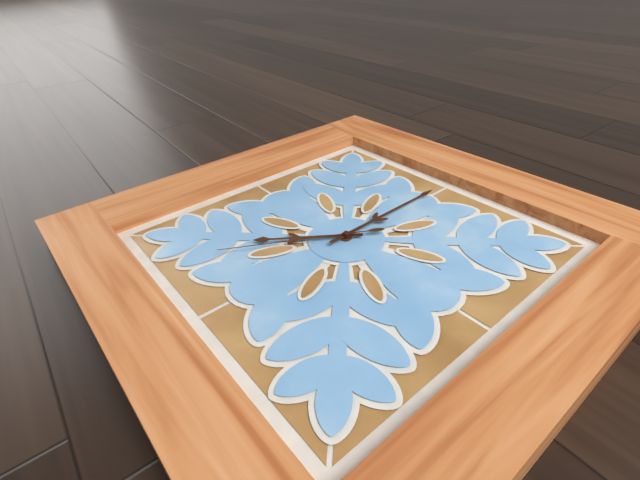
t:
**10:15:50**
